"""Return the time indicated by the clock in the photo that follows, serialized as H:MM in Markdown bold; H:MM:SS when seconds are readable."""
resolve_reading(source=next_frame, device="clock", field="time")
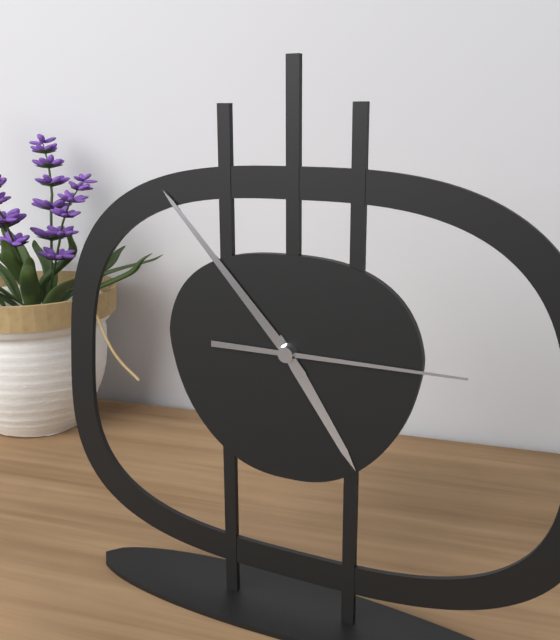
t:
**4:53:15**
